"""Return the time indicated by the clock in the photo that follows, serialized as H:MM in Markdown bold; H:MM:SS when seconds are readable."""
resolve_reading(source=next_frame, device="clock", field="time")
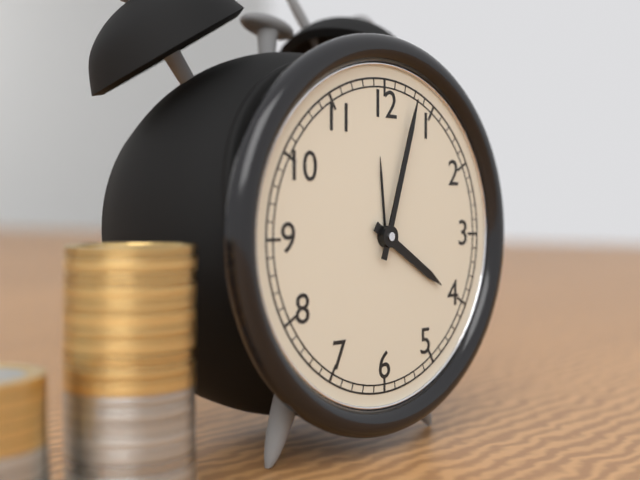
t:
**4:03**
